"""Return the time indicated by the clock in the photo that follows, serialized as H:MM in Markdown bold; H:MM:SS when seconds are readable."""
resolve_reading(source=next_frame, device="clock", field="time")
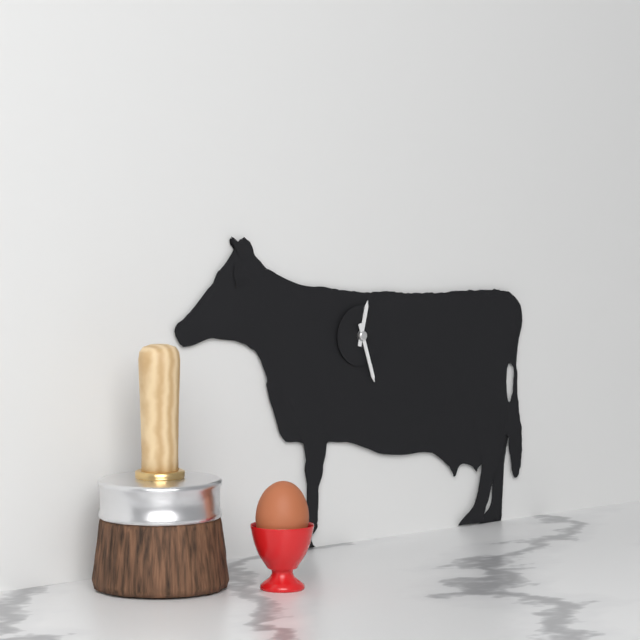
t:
**12:27**
